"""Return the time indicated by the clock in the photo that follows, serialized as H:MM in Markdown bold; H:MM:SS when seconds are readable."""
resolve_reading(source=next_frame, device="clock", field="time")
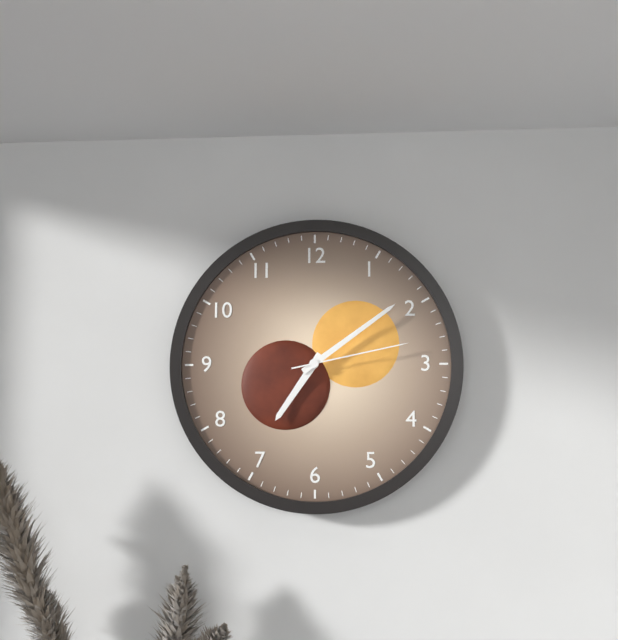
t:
**7:09:13**
